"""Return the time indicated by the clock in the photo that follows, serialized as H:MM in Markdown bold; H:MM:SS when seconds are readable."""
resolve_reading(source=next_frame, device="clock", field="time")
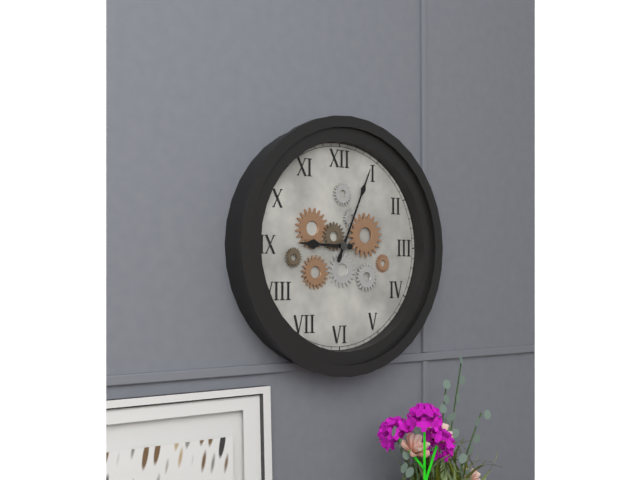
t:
**9:04**
